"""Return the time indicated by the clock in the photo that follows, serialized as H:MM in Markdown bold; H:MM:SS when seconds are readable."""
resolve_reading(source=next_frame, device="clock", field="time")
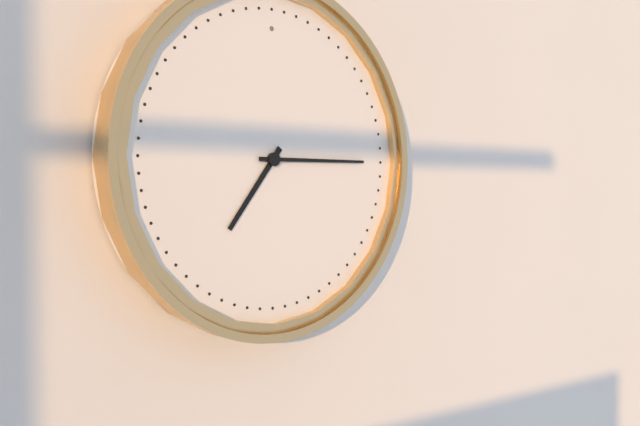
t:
**7:15**
